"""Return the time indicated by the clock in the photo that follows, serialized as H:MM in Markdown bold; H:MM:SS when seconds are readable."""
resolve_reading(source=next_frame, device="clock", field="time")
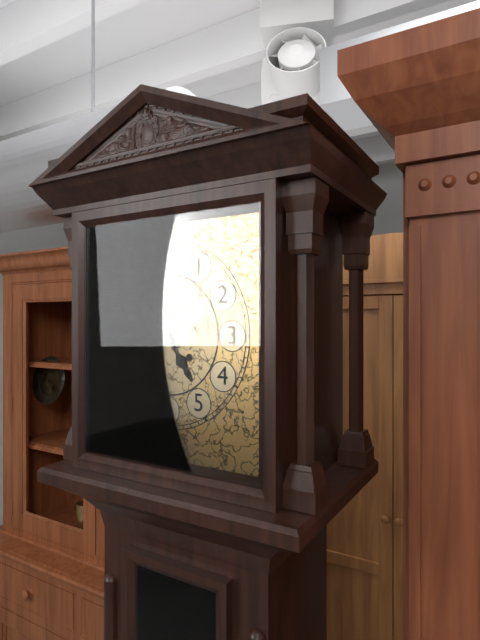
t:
**4:52**
